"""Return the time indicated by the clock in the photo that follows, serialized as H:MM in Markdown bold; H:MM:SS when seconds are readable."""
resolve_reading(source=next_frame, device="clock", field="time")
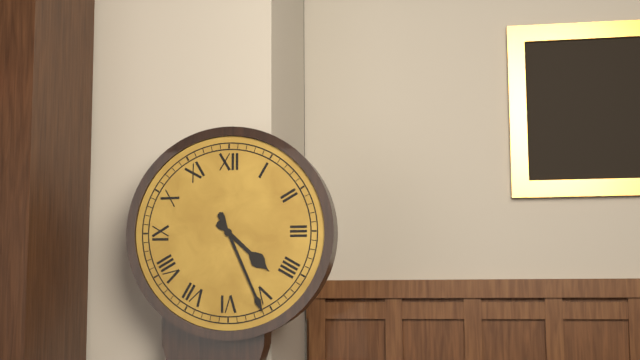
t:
**4:26**
